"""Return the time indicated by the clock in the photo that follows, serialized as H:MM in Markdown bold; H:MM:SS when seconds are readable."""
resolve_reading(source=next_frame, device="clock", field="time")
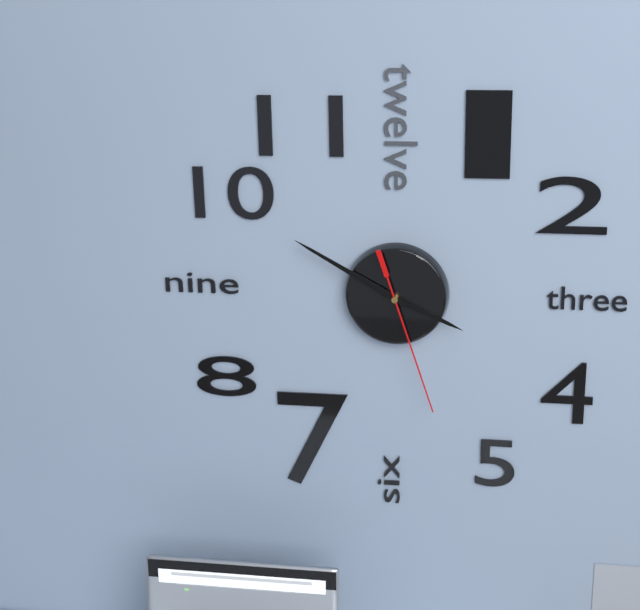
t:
**3:50:27**
